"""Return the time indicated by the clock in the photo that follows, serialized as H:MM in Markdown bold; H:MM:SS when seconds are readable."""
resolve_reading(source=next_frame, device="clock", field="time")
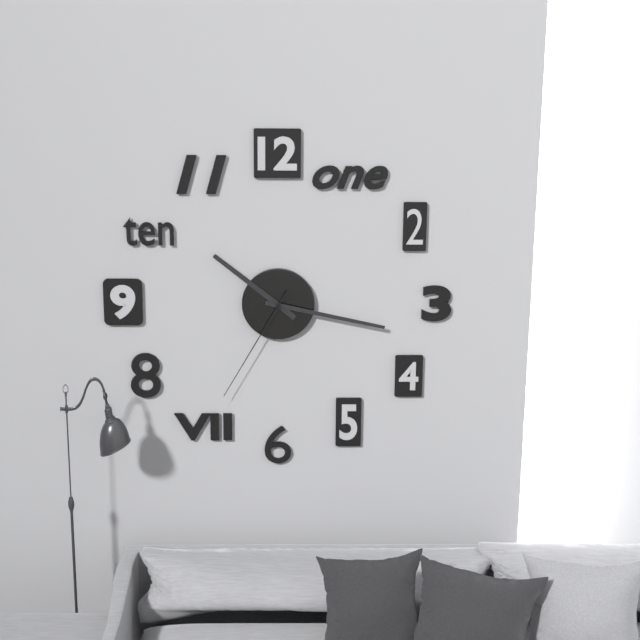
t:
**10:17:35**
